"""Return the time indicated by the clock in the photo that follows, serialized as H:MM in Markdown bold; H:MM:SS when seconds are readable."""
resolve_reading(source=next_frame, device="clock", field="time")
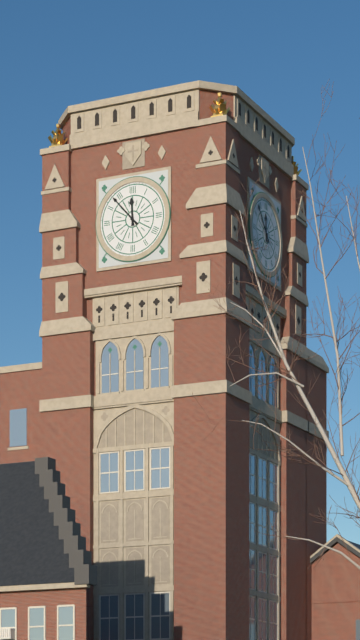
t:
**11:53**
